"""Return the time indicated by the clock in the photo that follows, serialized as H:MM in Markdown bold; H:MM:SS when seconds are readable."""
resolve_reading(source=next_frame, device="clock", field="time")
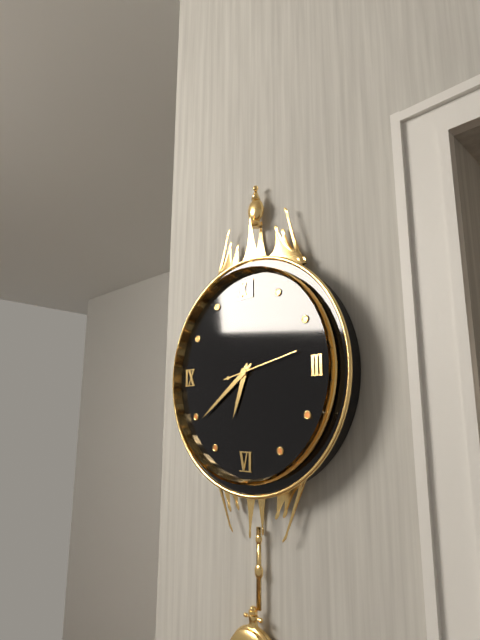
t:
**6:39:13**
